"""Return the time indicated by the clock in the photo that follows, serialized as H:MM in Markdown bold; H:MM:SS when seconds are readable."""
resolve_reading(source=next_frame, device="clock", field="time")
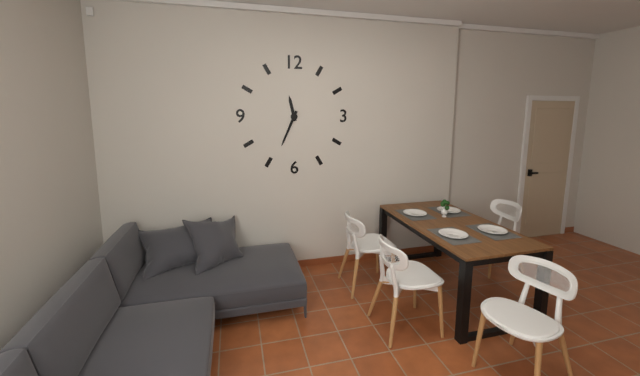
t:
**11:34**
